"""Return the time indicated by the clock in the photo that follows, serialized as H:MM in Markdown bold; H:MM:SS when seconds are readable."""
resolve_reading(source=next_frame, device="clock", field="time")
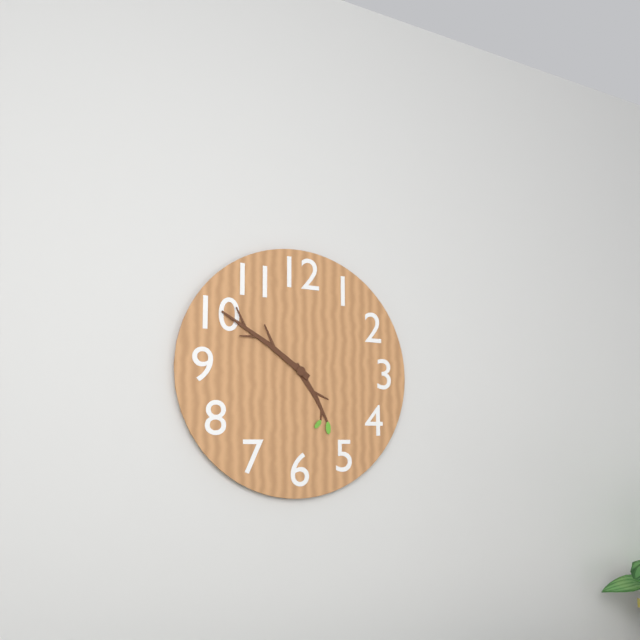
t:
**4:51**
